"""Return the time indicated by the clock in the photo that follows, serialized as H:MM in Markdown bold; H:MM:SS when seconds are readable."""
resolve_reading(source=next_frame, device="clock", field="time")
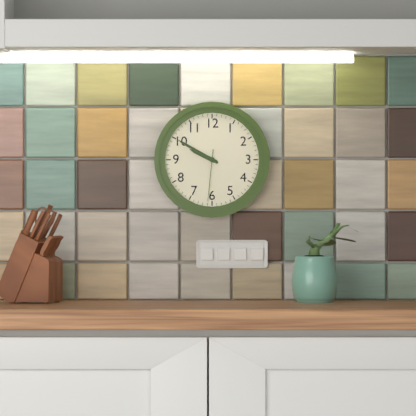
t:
**9:50:31**
